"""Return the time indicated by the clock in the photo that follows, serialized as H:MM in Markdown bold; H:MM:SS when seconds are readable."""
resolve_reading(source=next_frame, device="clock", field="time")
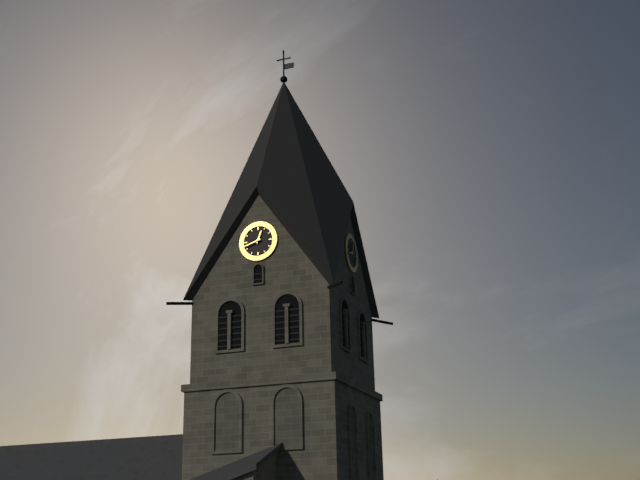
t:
**12:42**
